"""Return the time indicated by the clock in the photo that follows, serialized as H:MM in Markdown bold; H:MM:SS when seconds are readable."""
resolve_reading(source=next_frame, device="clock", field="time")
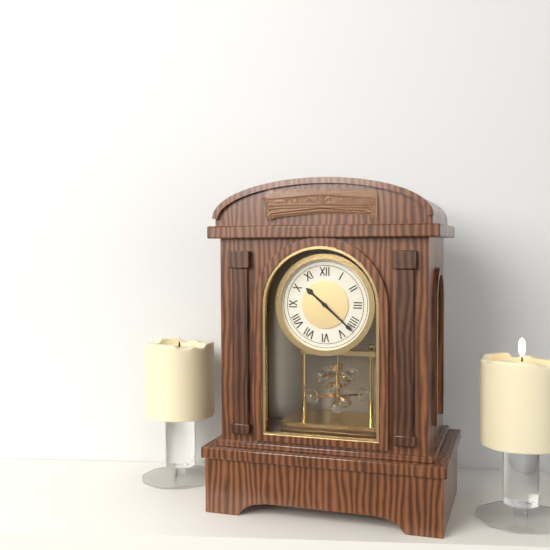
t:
**10:22**
